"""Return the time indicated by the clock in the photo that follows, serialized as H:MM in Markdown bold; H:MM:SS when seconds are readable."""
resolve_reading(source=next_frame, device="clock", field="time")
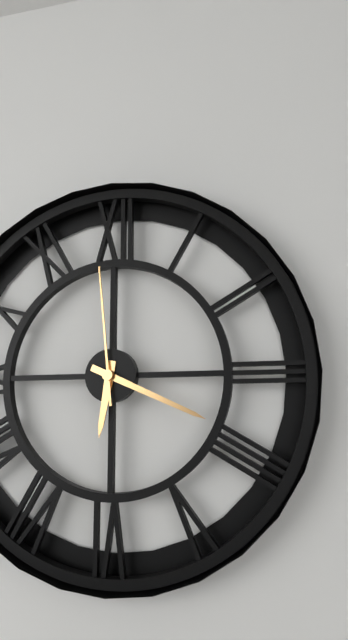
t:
**6:19:59**
